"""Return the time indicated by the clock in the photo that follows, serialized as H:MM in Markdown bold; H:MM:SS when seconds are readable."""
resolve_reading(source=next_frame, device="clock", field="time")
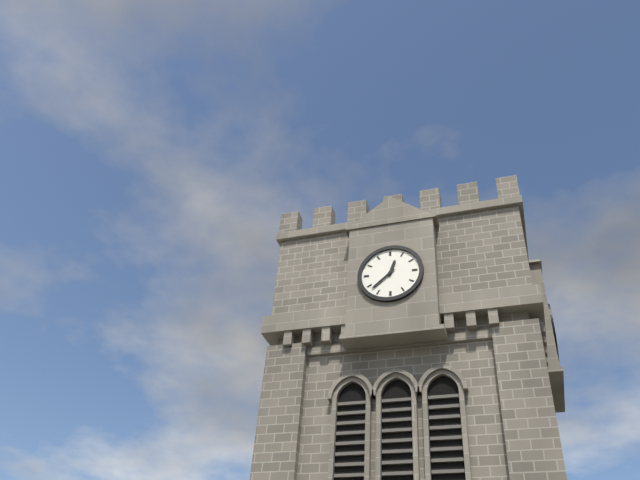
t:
**12:38**
